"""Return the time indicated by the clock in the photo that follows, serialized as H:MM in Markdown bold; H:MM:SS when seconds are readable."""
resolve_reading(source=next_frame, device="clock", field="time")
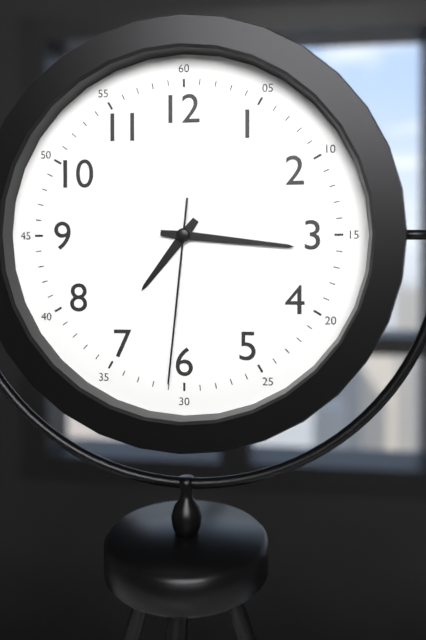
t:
**7:16:31**
